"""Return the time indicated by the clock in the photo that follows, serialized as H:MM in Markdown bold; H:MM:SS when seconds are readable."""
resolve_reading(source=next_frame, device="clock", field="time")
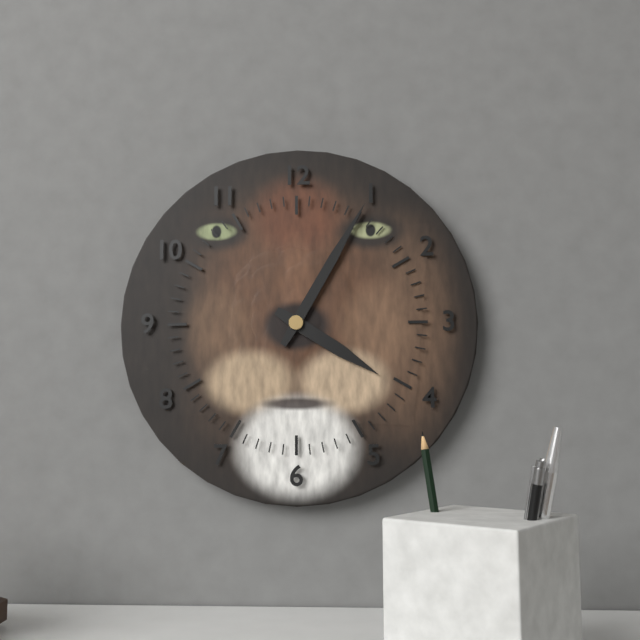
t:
**4:05**
